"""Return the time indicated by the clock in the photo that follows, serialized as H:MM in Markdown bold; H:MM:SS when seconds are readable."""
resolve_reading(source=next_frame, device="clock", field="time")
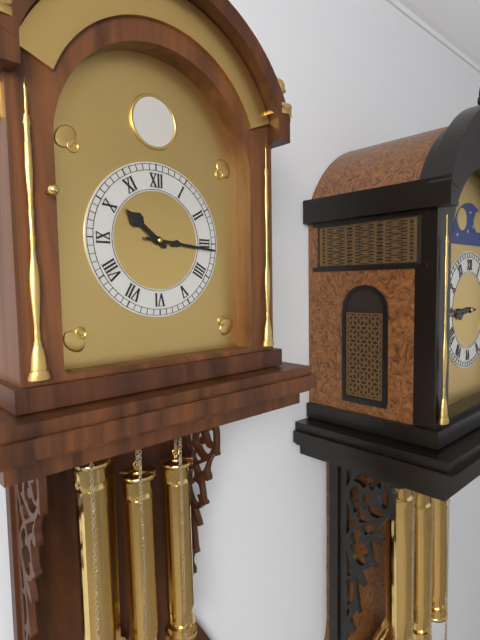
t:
**10:16**
